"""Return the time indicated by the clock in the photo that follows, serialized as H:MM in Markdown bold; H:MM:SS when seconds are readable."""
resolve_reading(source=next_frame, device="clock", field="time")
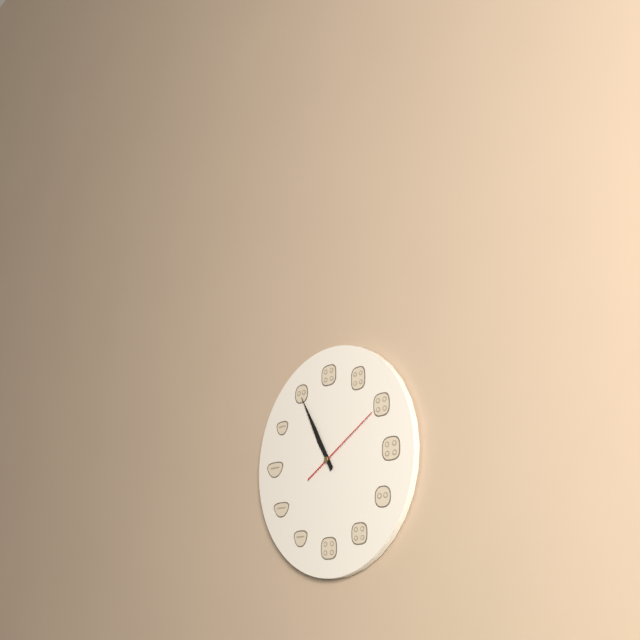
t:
**10:55:10**
